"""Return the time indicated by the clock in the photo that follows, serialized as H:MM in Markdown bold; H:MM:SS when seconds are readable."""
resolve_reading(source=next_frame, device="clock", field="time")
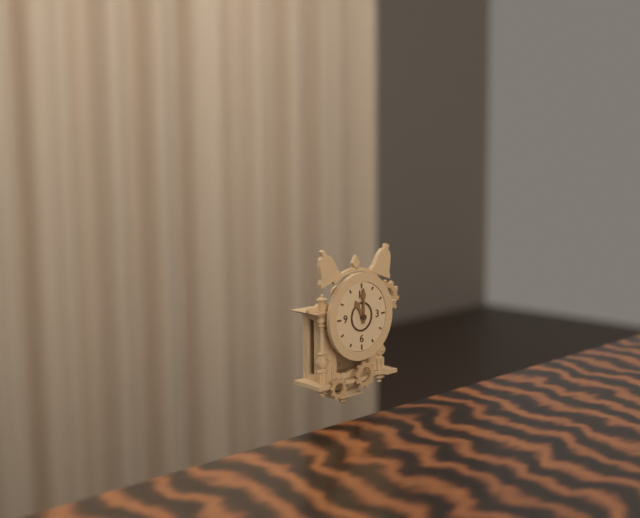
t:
**11:00**
